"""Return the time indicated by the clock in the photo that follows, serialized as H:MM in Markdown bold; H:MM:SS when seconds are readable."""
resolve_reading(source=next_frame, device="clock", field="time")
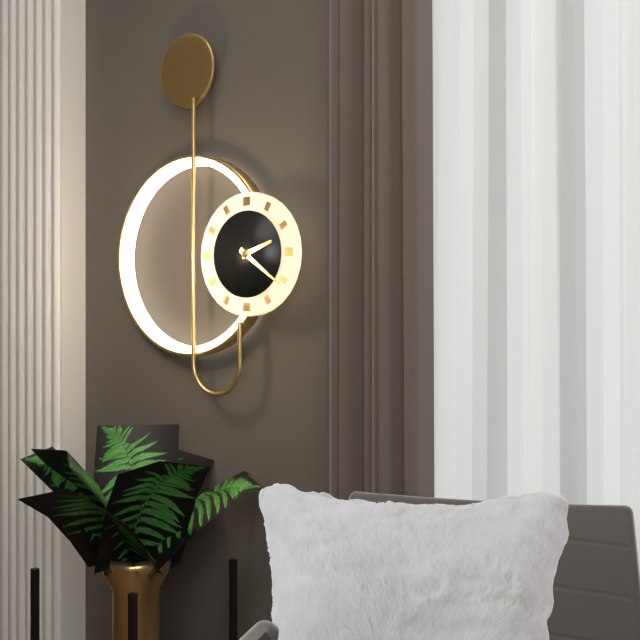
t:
**2:21**
